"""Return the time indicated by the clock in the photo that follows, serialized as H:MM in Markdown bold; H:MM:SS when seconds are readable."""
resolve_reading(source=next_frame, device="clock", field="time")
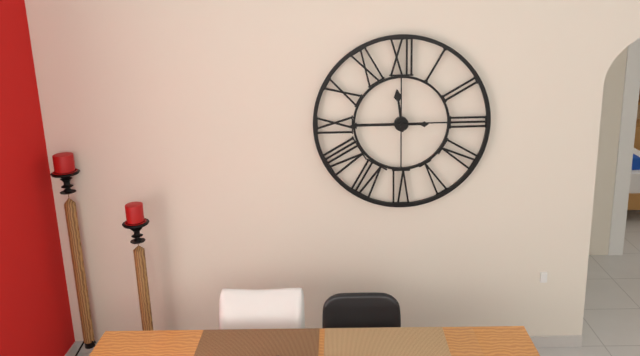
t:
**11:45**
